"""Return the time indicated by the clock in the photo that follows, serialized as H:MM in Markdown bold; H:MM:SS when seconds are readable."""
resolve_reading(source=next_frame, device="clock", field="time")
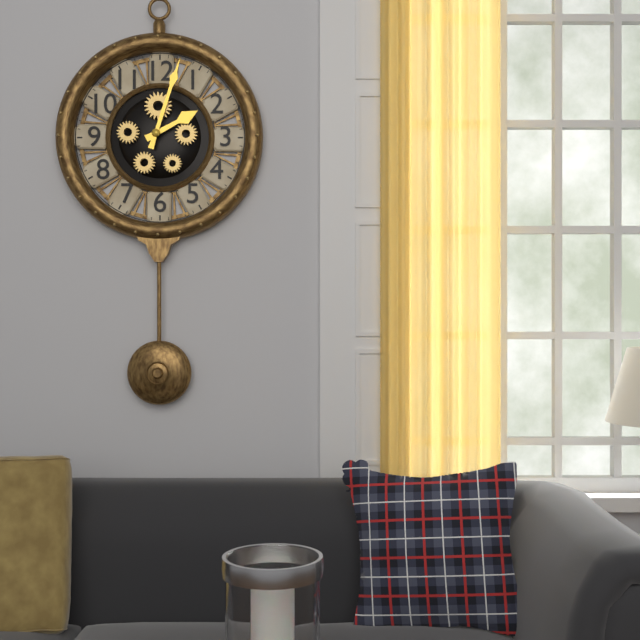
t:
**2:03**
